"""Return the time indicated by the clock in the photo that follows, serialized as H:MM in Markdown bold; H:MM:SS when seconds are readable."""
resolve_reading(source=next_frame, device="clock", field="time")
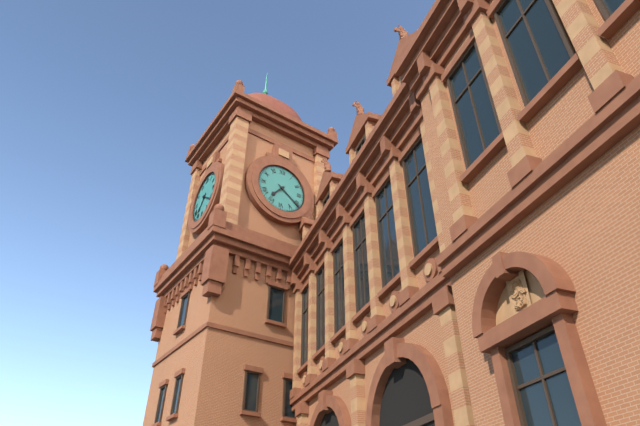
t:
**7:21**
